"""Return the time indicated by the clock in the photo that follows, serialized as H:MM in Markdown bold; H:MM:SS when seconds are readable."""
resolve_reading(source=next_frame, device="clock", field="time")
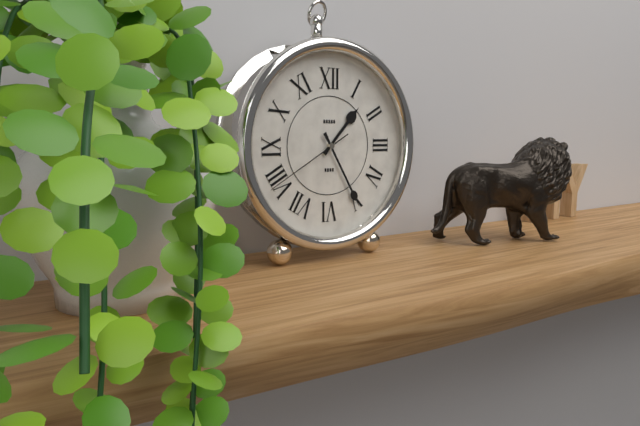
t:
**1:25:40**
